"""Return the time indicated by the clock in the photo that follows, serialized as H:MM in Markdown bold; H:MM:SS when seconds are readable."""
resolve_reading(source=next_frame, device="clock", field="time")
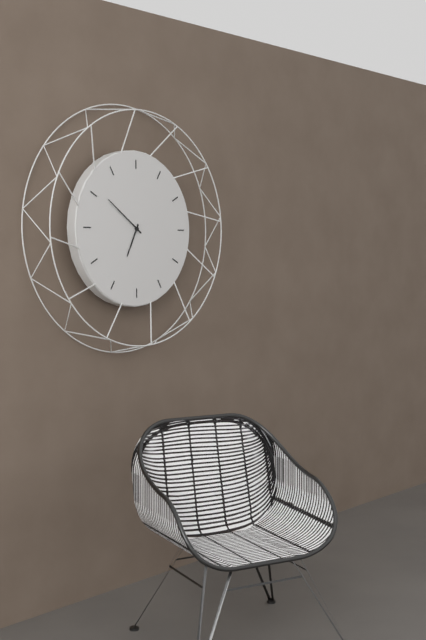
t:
**6:51**
